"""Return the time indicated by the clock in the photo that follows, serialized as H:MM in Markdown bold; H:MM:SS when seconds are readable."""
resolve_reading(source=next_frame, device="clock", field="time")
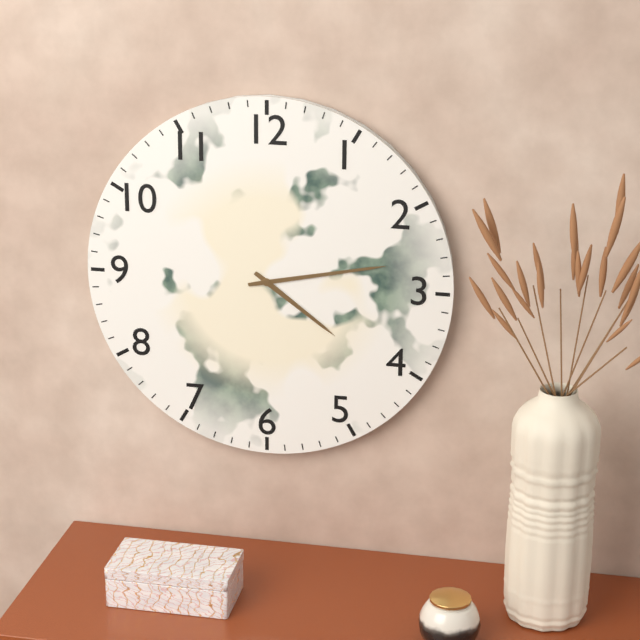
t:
**4:13**
